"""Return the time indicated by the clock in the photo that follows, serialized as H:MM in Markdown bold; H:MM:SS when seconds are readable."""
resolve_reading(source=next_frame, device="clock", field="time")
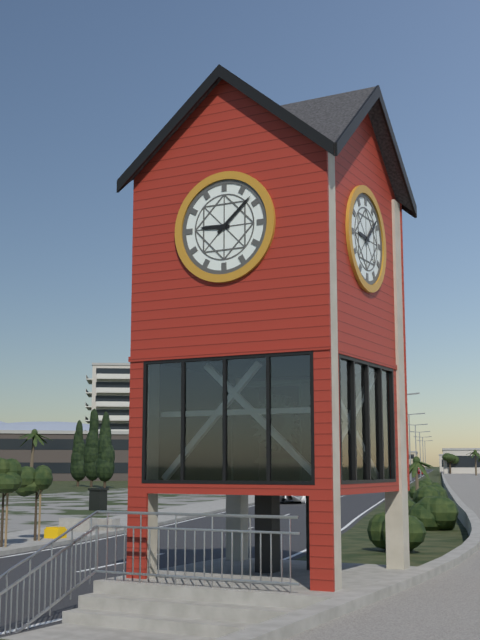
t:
**9:08**
